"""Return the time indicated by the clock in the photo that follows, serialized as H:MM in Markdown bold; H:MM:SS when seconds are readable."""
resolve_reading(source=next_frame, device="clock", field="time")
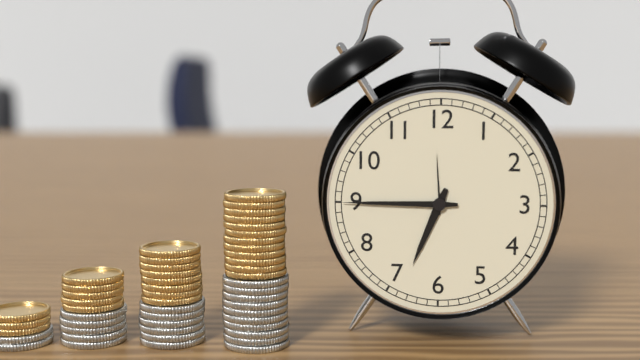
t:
**6:45**
